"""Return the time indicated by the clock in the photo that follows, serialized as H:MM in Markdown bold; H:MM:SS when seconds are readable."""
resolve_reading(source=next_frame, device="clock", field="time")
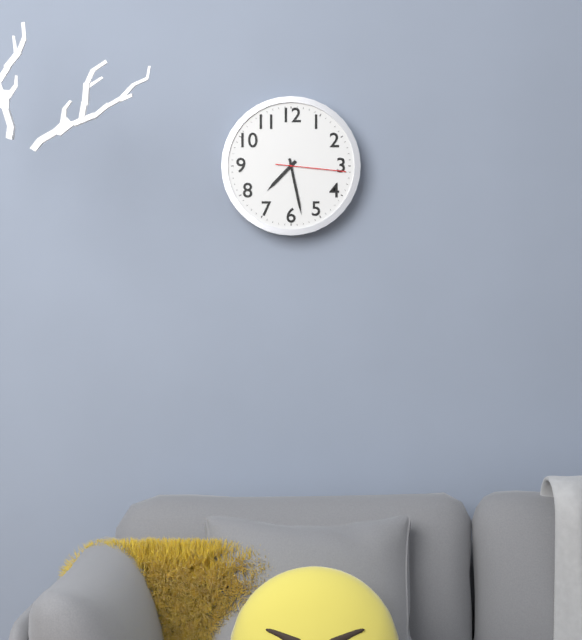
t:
**7:28:16**
